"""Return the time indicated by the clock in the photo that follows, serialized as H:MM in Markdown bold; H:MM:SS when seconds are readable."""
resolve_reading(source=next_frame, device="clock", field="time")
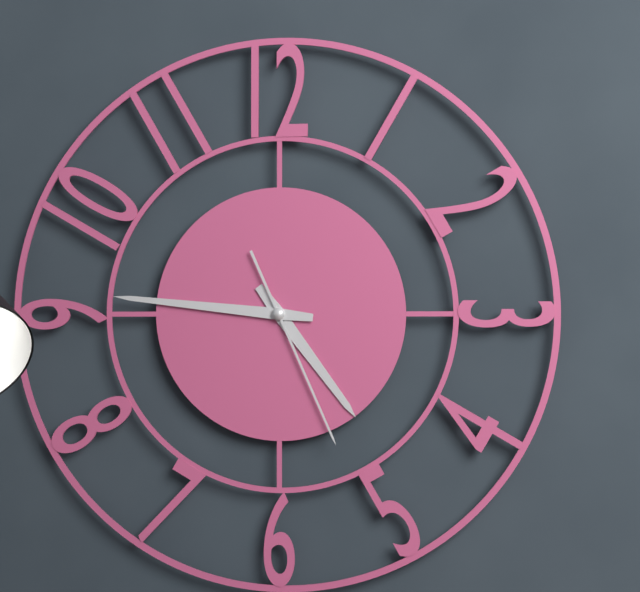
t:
**4:46:26**
